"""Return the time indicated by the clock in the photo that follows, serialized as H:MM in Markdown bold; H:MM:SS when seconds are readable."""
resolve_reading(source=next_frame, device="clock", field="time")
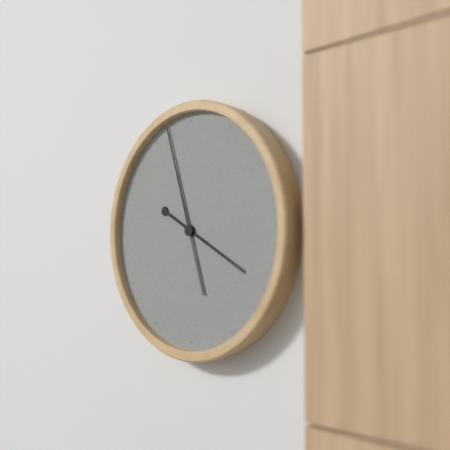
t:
**3:57**
